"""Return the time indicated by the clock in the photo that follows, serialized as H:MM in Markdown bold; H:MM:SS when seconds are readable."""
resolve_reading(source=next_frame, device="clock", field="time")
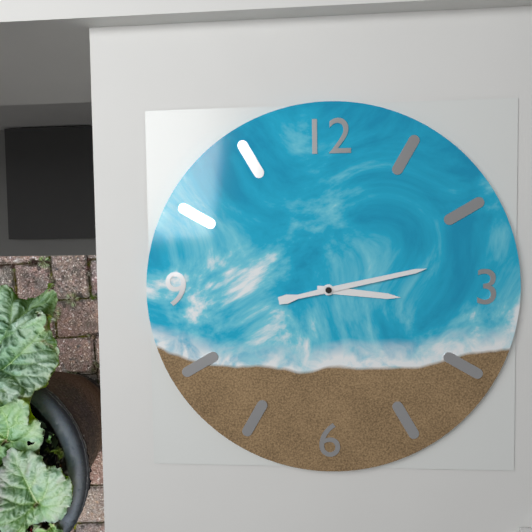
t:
**3:13**
